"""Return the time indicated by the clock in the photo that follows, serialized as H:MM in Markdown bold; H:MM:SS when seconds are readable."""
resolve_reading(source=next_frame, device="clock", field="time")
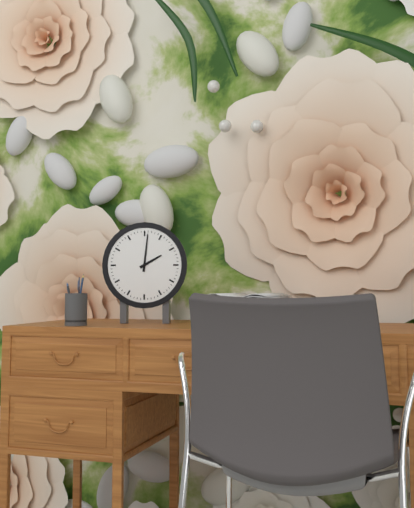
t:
**2:01**
